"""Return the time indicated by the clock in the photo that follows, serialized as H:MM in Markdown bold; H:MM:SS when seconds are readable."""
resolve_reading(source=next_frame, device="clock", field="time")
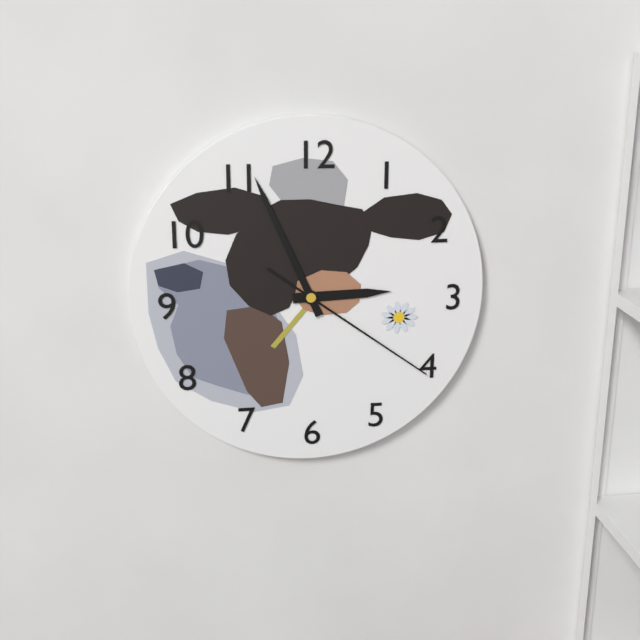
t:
**2:56:21**
